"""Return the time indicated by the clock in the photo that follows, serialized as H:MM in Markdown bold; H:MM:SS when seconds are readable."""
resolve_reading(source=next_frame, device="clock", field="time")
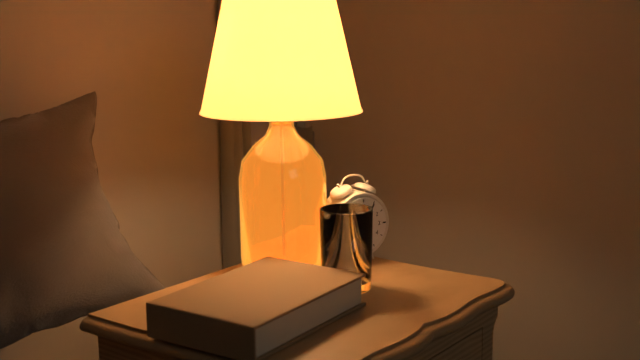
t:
**11:05**
